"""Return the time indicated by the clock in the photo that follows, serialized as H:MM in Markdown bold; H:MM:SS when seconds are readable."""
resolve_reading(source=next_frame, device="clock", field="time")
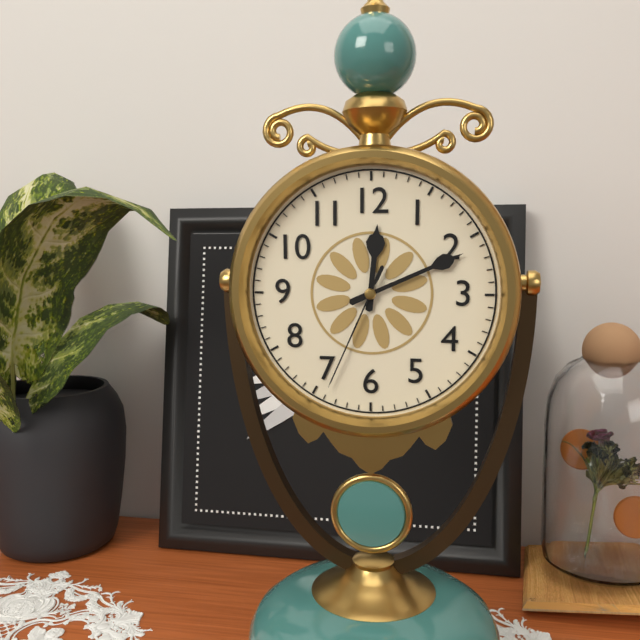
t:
**12:11:34**
